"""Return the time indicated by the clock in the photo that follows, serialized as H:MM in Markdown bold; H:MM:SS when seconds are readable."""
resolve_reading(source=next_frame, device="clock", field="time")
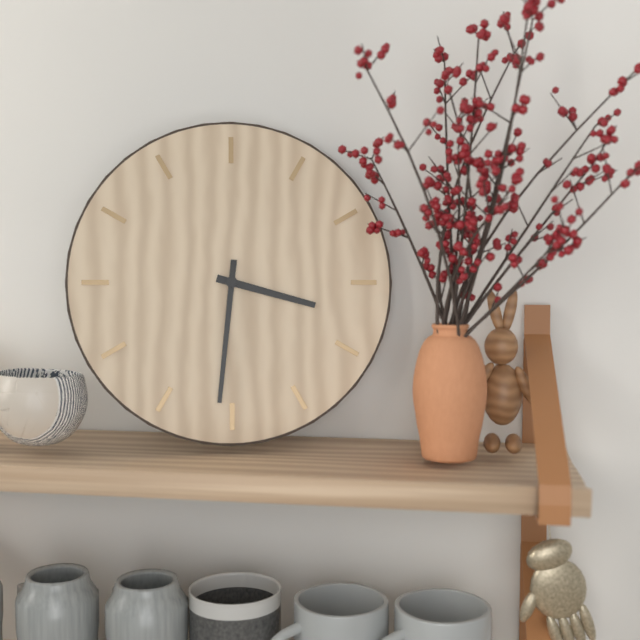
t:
**3:31**
